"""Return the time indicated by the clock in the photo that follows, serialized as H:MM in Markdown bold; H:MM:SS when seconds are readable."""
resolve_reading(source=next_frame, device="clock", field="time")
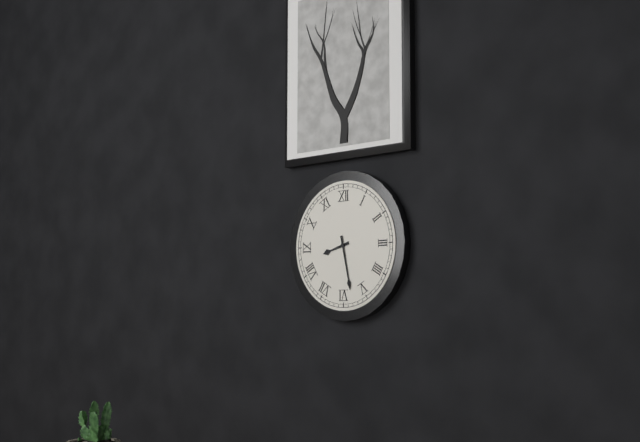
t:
**8:28**
